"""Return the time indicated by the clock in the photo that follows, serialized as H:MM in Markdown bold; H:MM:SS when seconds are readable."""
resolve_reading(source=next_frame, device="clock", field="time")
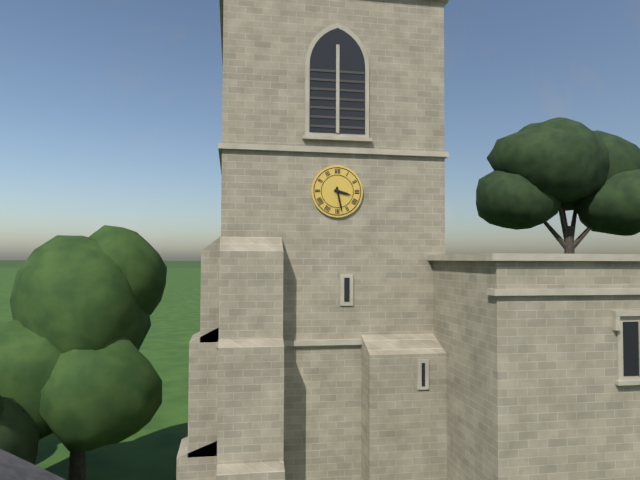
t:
**3:28**
